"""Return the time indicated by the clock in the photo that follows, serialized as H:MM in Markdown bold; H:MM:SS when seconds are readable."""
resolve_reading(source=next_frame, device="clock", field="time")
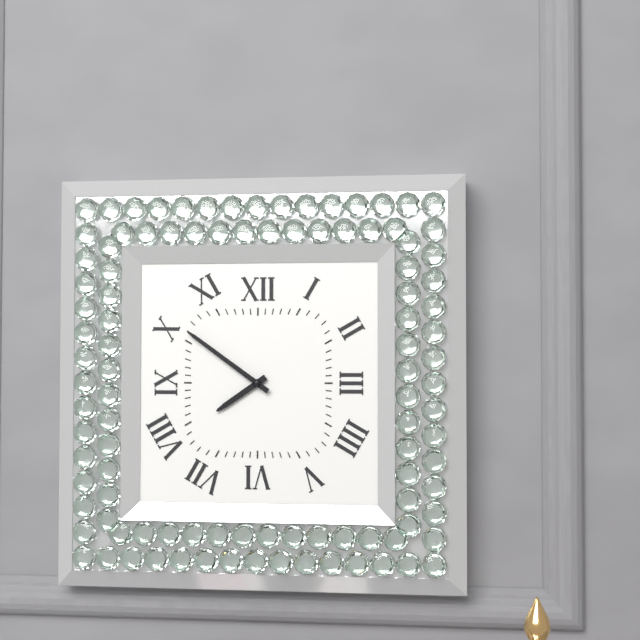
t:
**7:51**
